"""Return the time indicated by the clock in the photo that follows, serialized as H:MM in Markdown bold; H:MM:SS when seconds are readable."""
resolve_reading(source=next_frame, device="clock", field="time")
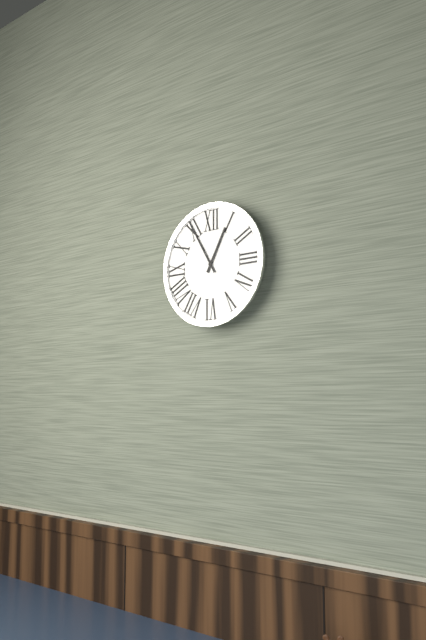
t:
**12:55**
